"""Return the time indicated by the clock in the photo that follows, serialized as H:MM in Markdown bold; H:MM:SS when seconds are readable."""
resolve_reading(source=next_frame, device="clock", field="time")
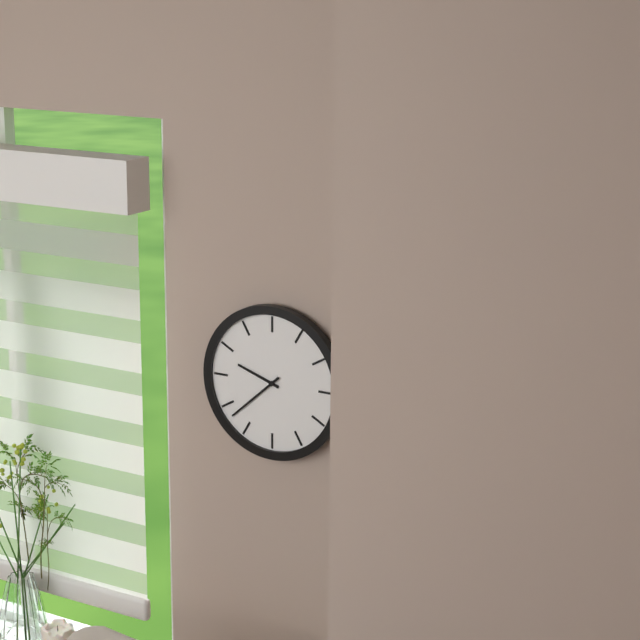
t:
**9:38**
